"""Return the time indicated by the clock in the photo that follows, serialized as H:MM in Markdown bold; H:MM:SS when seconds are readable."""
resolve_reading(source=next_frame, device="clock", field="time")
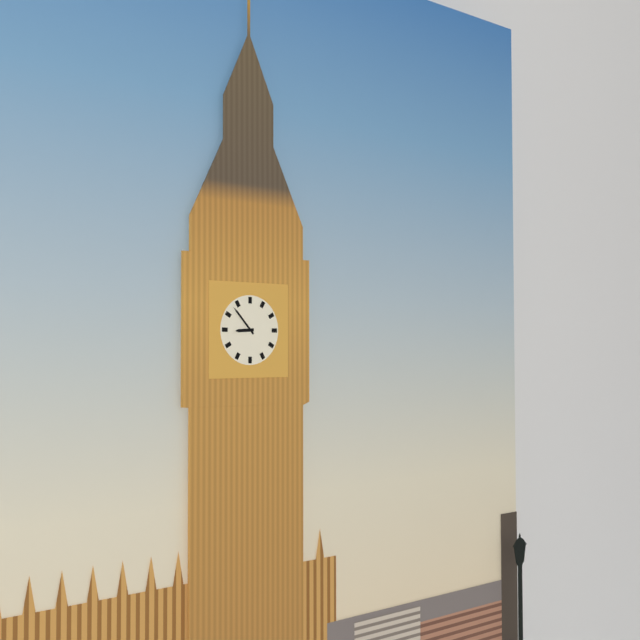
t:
**8:53**
